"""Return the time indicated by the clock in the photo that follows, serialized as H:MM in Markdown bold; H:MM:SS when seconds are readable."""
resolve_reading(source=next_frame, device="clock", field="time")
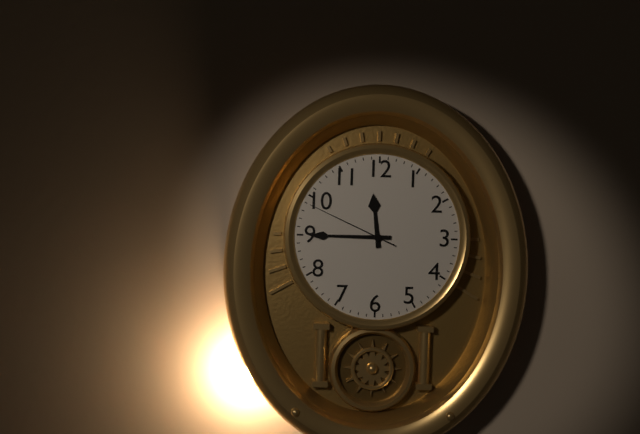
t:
**11:45:49**
